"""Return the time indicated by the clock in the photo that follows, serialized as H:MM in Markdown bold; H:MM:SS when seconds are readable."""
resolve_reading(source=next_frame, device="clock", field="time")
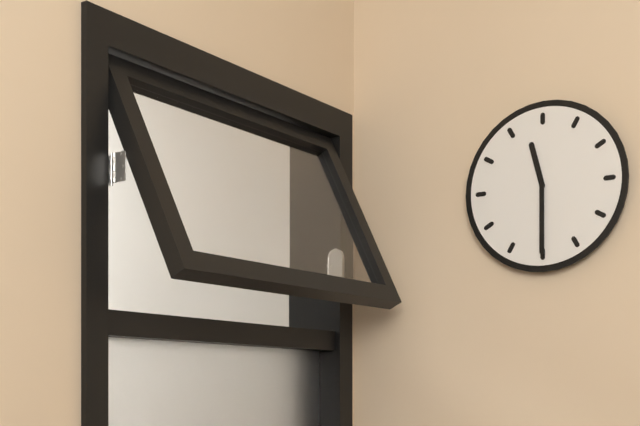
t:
**11:30**
